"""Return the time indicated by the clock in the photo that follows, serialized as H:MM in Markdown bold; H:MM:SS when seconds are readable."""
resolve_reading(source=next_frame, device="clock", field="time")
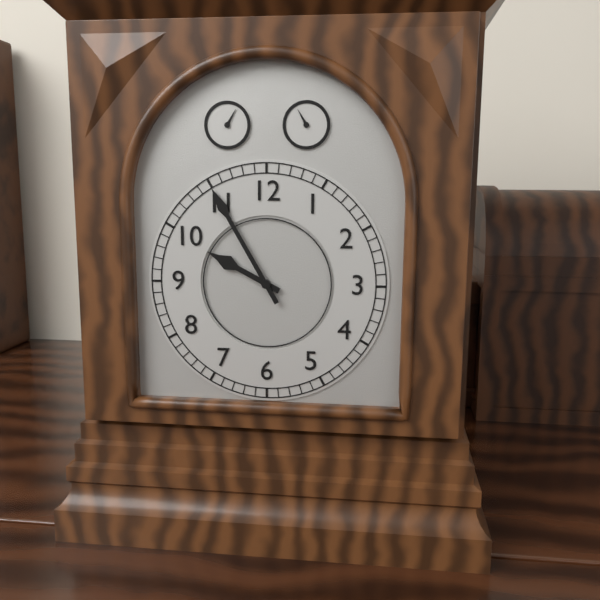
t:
**9:55**
